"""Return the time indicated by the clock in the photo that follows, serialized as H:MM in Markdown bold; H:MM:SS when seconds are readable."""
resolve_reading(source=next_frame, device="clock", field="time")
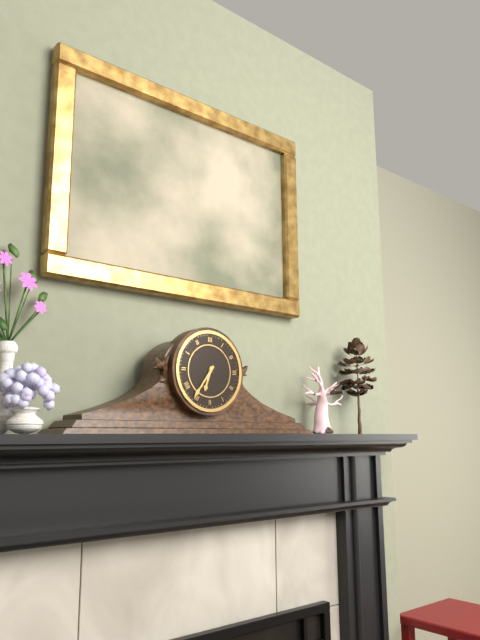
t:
**6:36**
